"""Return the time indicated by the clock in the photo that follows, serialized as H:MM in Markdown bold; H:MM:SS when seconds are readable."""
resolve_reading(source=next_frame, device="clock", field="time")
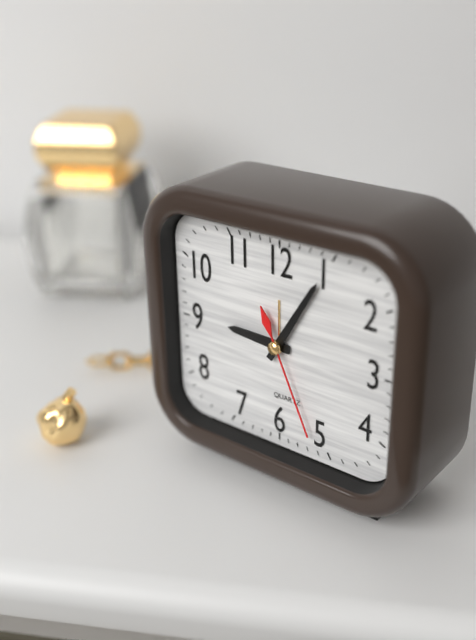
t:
**9:05:26**
